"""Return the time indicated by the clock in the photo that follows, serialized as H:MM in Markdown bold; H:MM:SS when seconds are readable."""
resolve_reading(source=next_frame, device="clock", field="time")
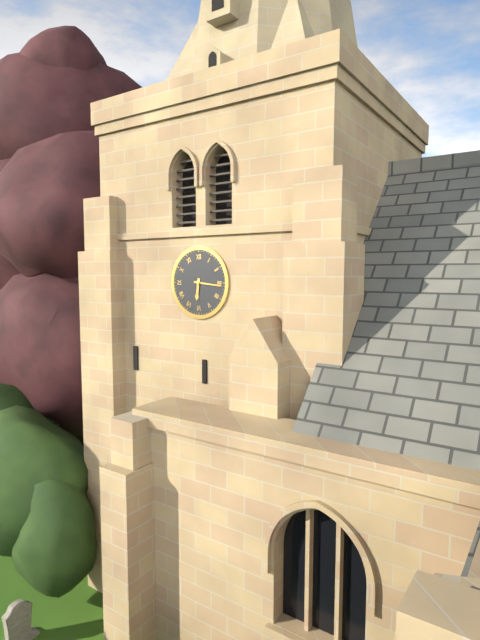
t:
**6:16**
